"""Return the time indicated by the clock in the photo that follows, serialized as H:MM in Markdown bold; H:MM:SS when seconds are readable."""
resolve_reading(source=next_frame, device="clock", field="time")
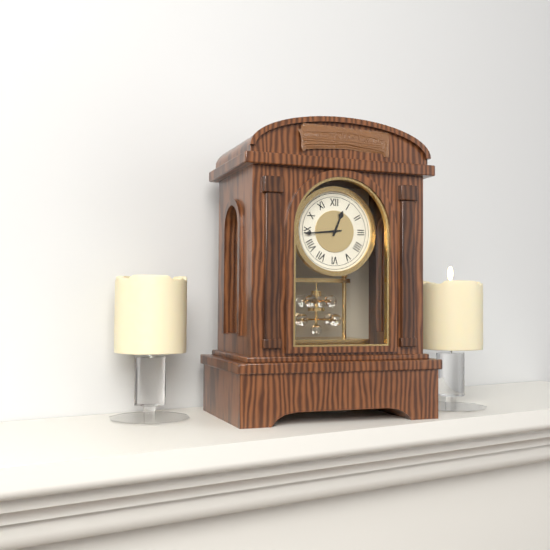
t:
**12:44**
